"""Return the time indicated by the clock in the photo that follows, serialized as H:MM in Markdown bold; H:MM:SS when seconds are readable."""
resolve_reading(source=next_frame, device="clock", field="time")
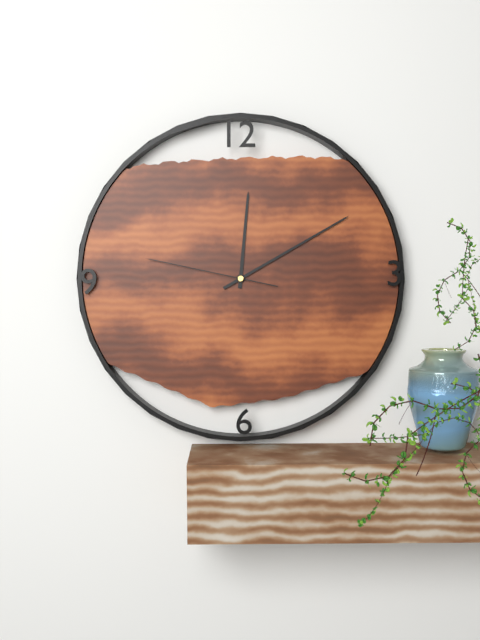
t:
**12:10:47**
